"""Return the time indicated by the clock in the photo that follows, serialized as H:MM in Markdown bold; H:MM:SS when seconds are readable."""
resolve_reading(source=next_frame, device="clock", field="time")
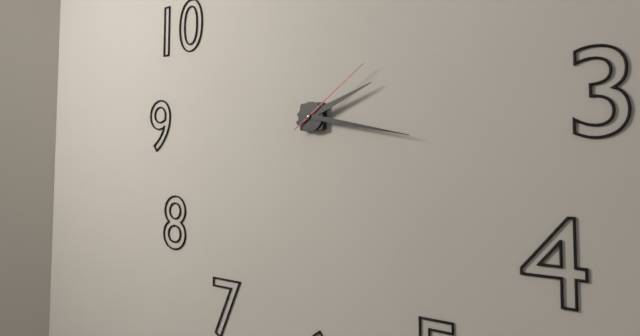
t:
**2:17:09**
